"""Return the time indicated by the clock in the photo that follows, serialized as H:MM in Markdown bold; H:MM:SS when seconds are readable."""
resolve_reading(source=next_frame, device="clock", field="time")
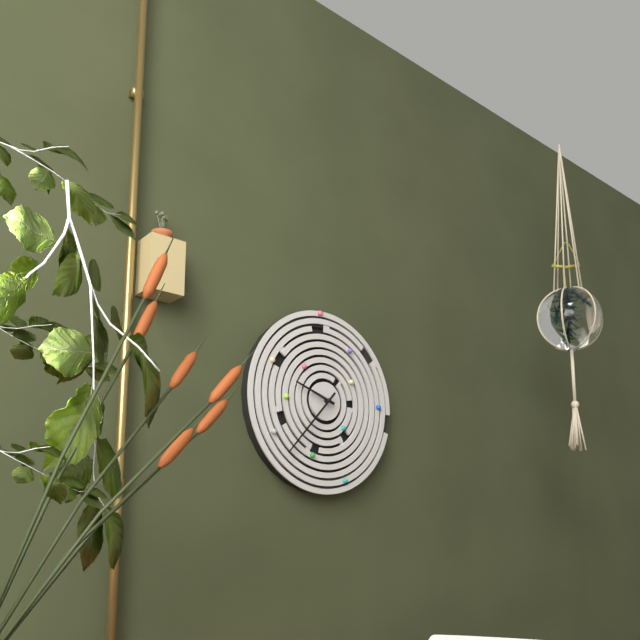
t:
**9:37**
